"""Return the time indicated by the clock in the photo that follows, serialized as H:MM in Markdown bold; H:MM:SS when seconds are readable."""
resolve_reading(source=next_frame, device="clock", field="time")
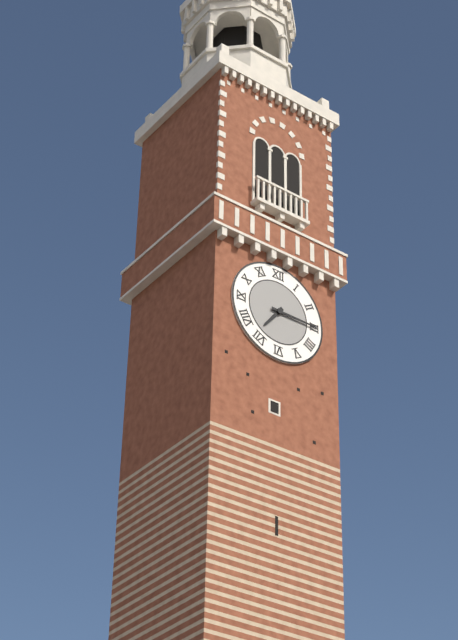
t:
**7:15**
